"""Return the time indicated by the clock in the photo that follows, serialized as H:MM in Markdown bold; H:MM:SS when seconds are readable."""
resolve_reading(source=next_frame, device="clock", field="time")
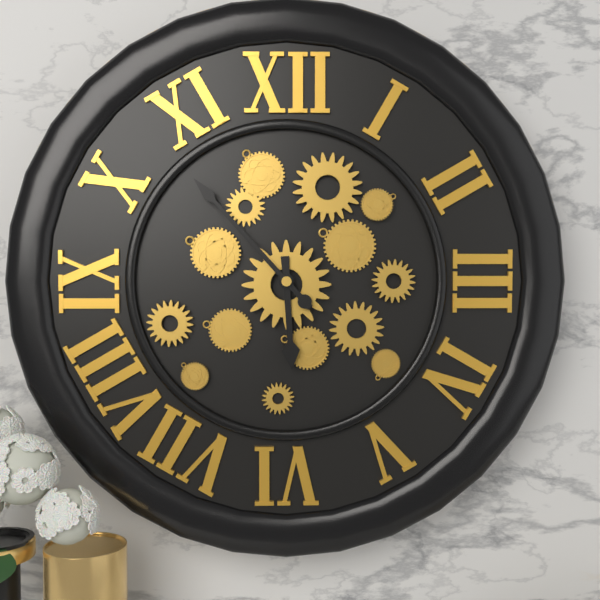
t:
**5:53**
